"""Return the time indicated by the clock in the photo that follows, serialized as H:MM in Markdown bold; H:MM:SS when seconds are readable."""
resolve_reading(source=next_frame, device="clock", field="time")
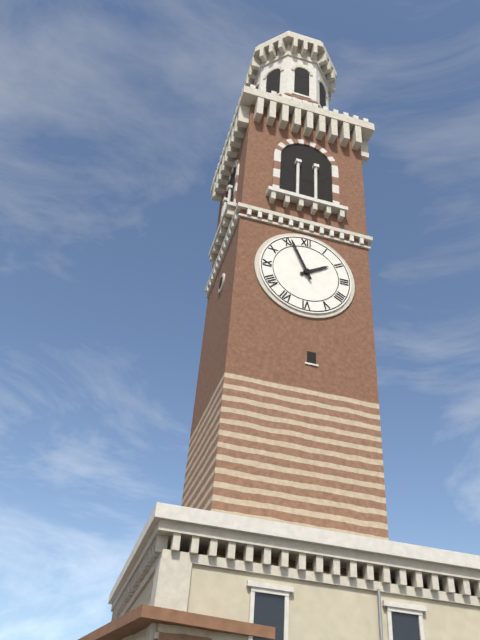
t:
**1:56**
